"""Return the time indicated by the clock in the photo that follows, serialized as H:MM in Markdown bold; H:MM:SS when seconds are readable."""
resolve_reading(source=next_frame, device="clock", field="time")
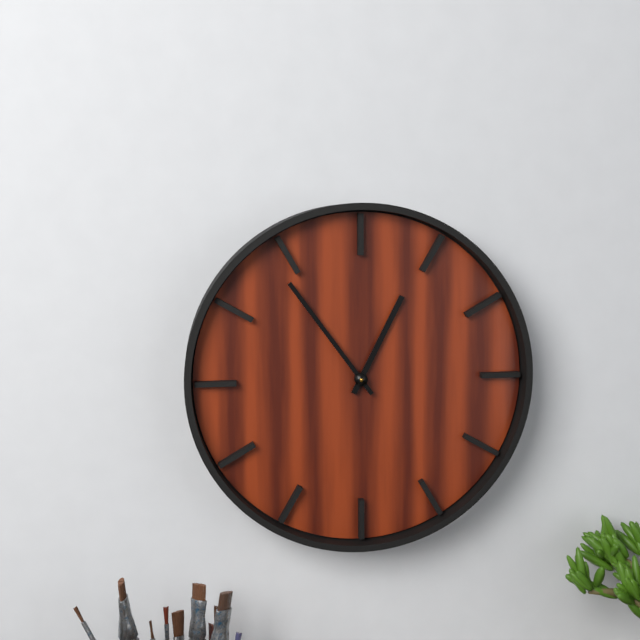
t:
**12:54**
